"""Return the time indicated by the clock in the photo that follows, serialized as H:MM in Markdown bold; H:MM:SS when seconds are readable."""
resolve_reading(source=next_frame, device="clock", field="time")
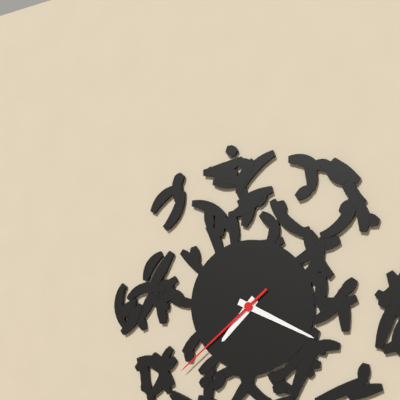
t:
**7:19:38**
